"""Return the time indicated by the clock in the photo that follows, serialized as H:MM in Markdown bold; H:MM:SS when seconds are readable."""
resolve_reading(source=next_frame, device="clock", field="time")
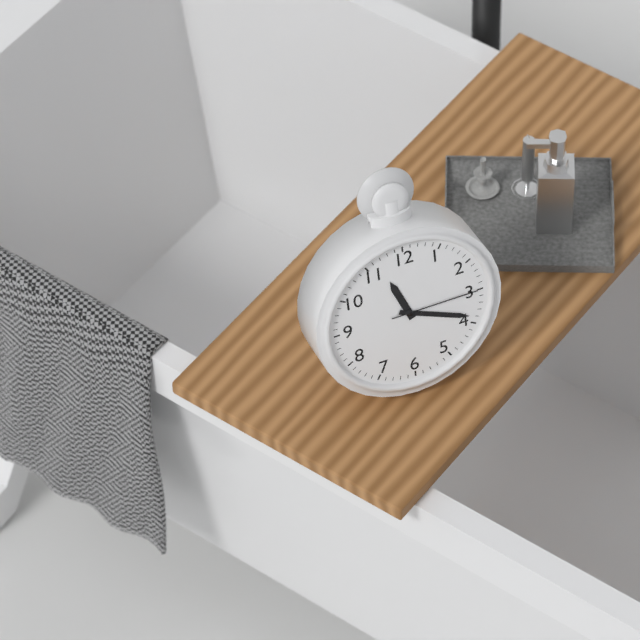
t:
**11:19:15**
